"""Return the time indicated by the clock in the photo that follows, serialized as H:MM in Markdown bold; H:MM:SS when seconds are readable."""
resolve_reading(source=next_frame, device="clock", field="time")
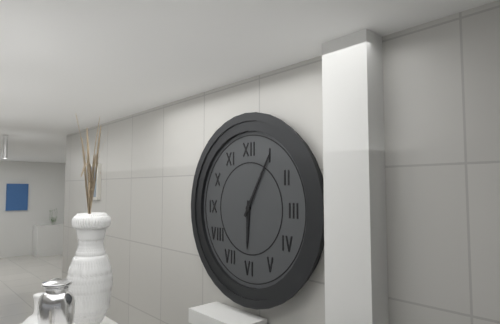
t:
**6:05**
